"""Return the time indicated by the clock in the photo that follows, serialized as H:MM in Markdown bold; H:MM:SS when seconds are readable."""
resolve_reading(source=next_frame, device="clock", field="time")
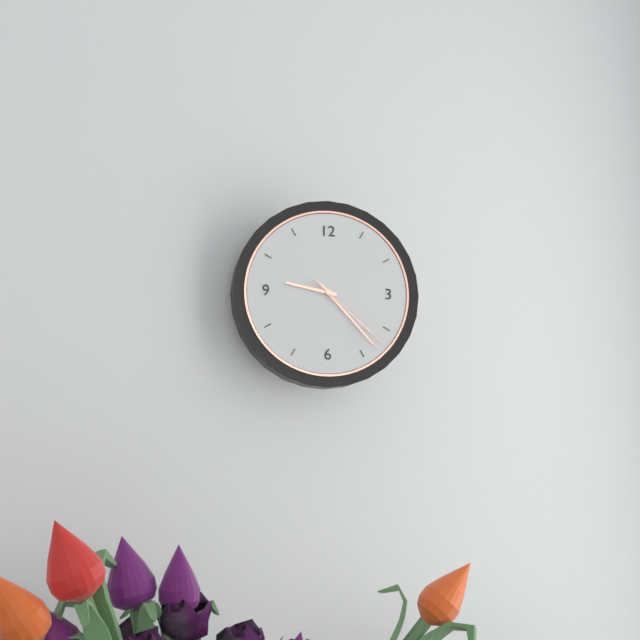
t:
**9:23:22**
